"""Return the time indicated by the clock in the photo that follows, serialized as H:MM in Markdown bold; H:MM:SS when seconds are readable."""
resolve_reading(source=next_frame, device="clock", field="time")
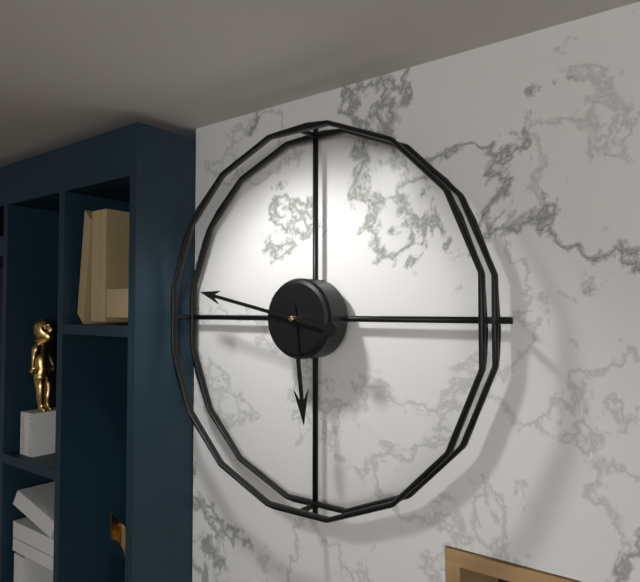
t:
**5:47**
